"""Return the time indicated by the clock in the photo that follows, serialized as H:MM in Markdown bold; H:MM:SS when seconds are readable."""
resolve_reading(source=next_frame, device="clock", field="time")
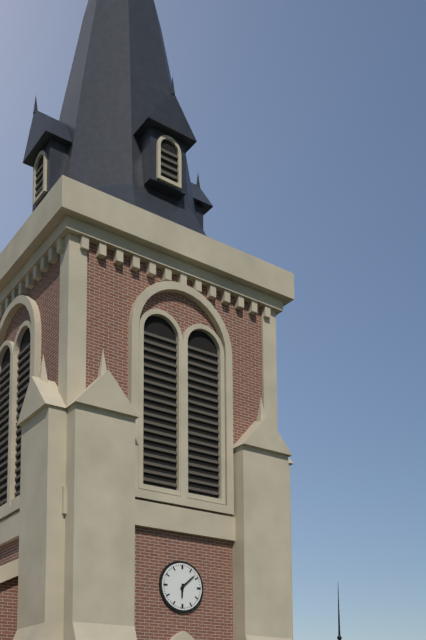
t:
**6:08**
